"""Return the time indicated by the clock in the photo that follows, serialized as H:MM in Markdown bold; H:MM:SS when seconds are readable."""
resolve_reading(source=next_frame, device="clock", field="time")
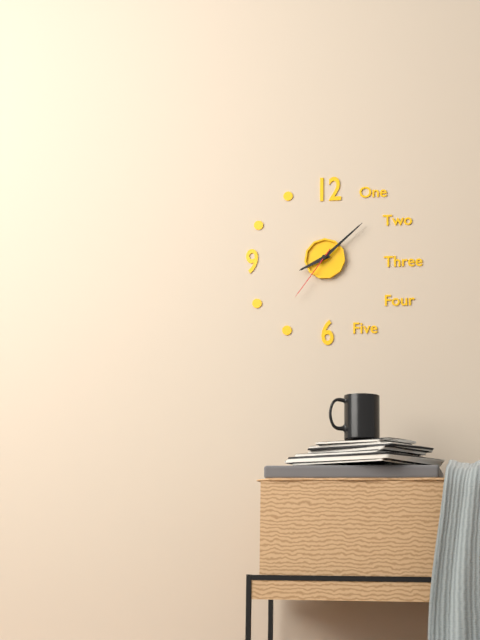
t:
**8:08:36**
